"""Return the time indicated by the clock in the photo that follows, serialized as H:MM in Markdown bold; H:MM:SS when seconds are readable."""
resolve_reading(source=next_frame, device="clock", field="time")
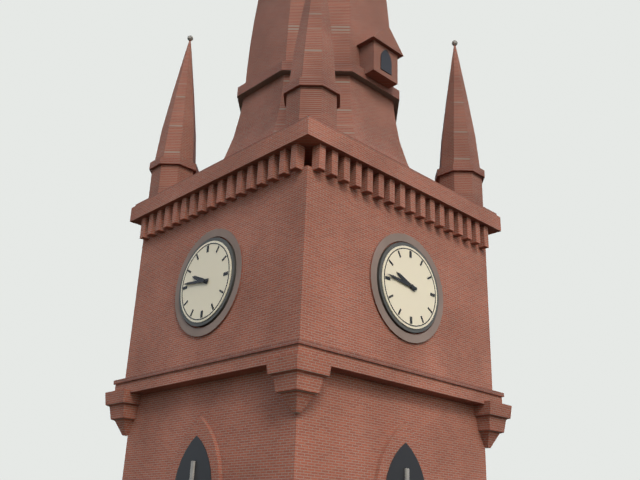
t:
**9:46**
